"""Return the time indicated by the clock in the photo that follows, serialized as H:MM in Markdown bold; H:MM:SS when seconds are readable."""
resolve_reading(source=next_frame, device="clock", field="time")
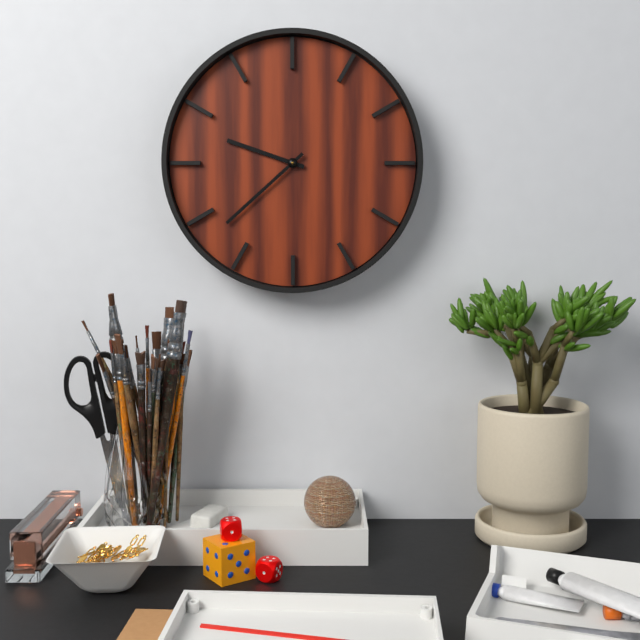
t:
**9:38**
